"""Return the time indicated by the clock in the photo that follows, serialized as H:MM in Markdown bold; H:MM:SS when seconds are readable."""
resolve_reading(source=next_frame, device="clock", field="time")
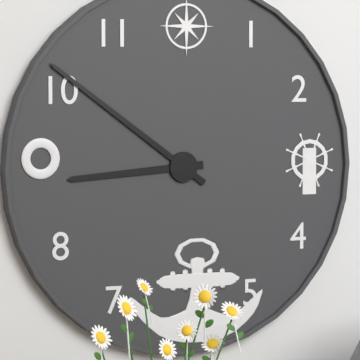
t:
**8:51**
